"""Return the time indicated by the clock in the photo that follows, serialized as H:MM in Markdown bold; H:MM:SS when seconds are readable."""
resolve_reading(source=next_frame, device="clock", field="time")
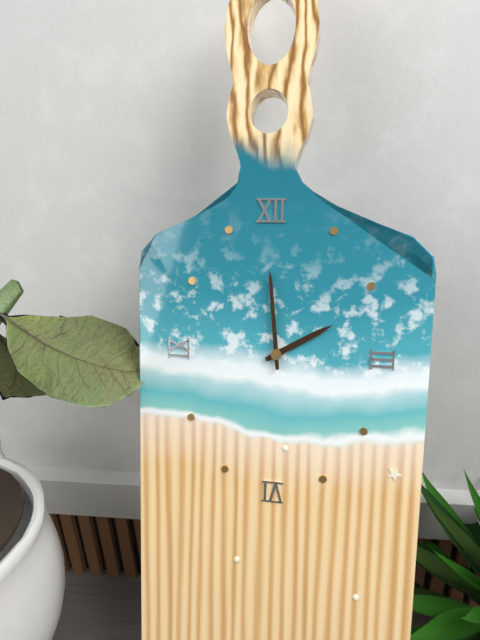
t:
**1:59**
